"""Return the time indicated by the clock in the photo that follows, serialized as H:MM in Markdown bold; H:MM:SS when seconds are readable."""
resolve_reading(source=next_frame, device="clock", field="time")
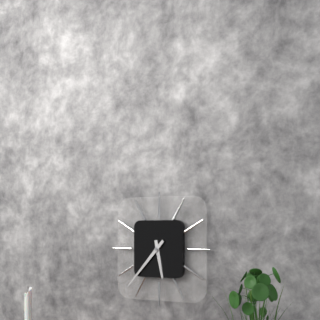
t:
**5:37**
